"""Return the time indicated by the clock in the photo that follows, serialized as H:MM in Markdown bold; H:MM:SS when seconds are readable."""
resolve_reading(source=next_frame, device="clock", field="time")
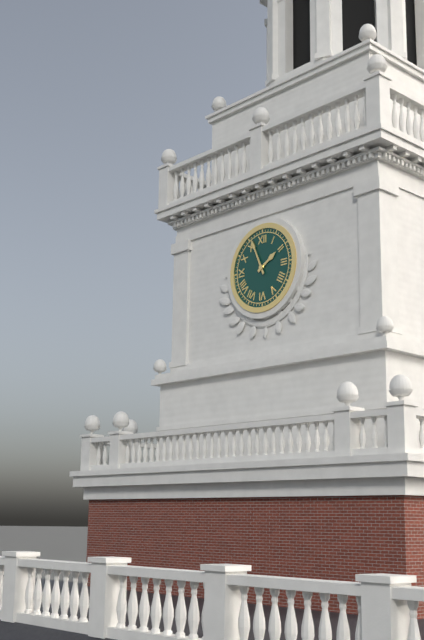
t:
**1:56**
